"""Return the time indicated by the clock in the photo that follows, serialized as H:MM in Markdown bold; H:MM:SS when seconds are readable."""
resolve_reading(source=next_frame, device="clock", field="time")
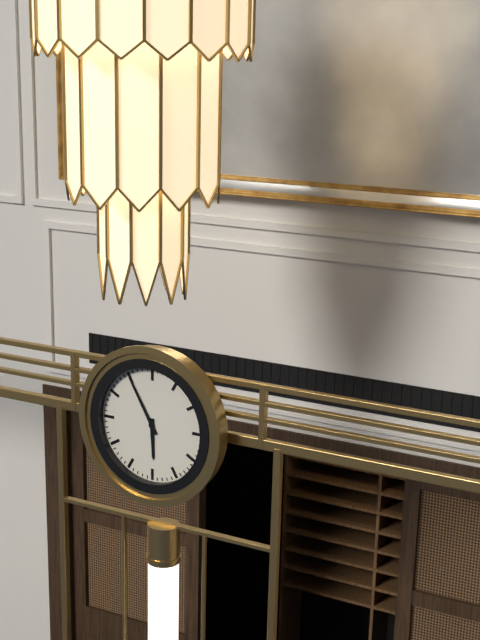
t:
**5:55**
